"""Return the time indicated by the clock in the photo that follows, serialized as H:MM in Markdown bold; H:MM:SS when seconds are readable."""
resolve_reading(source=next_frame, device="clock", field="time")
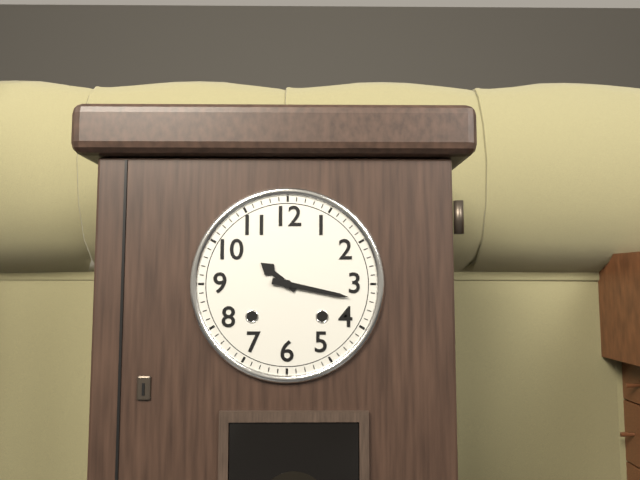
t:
**10:17**
